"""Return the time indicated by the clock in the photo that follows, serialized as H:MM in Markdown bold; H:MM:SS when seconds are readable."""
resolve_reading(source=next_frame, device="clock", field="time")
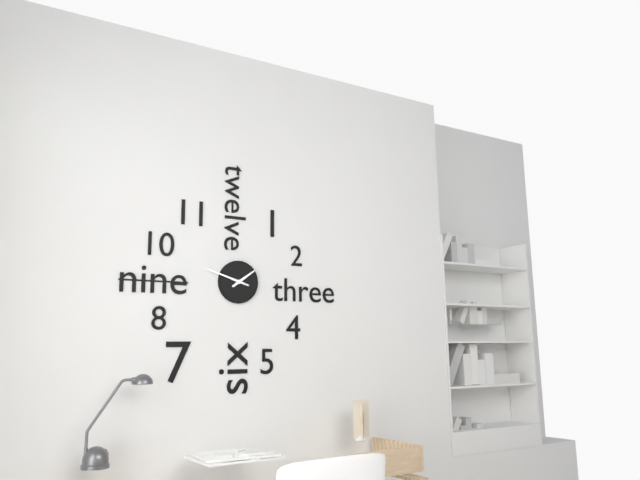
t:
**1:48**
